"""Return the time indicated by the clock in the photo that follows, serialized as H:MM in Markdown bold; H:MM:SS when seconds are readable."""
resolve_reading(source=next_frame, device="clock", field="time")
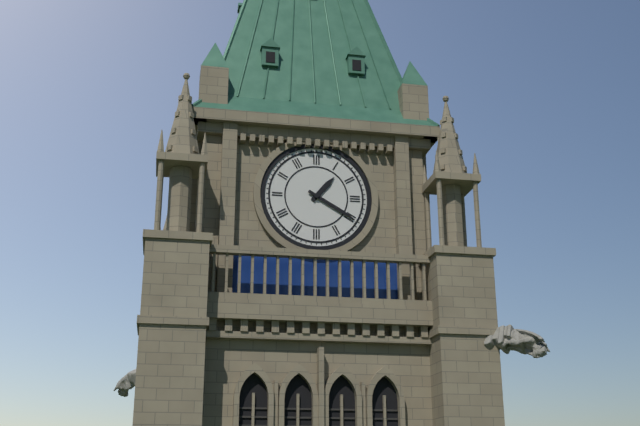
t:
**1:20**
